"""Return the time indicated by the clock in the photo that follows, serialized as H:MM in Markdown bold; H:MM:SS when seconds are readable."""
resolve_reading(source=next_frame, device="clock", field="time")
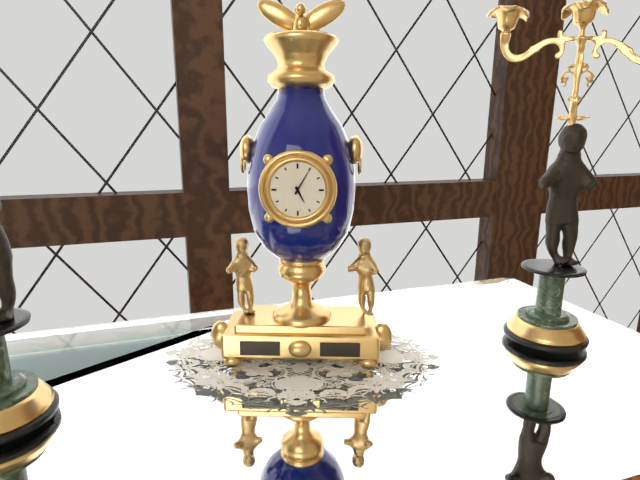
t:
**5:05**
